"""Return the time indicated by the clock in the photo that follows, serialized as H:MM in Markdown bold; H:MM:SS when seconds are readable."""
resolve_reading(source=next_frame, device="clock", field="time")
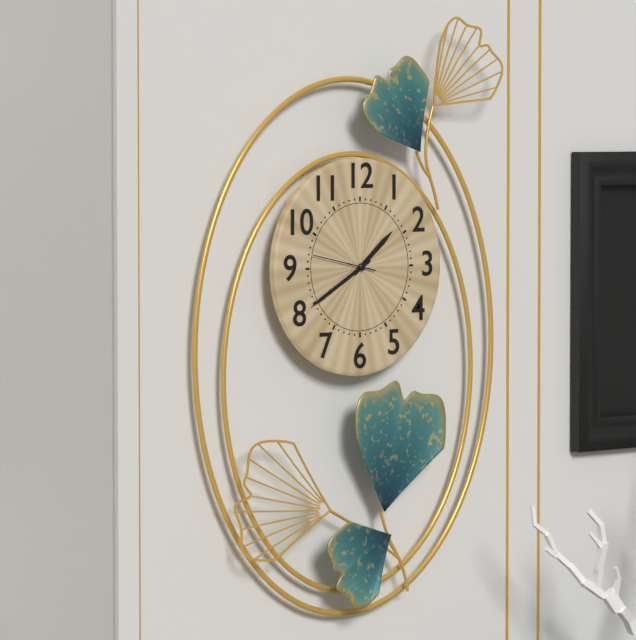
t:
**1:40:47**
